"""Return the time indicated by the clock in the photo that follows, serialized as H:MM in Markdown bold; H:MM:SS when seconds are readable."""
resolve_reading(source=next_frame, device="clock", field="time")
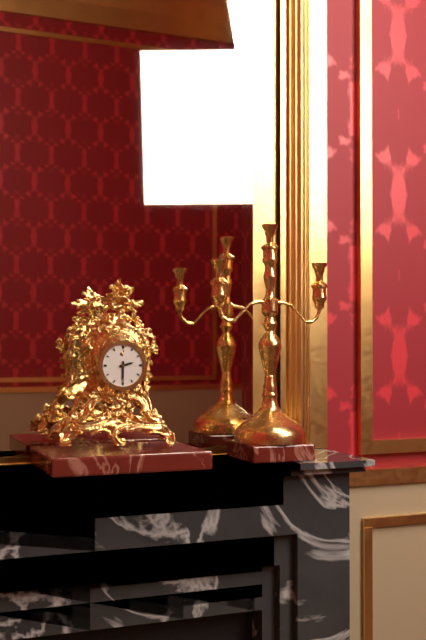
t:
**2:30**
